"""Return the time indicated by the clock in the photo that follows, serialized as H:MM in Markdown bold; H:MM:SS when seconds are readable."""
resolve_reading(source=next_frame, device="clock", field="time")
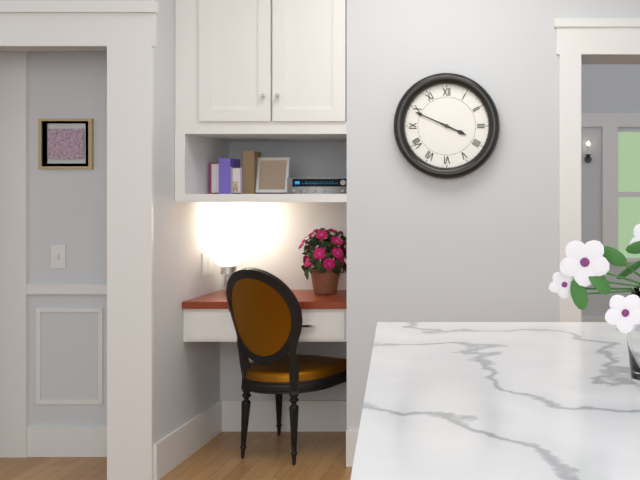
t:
**3:49**
